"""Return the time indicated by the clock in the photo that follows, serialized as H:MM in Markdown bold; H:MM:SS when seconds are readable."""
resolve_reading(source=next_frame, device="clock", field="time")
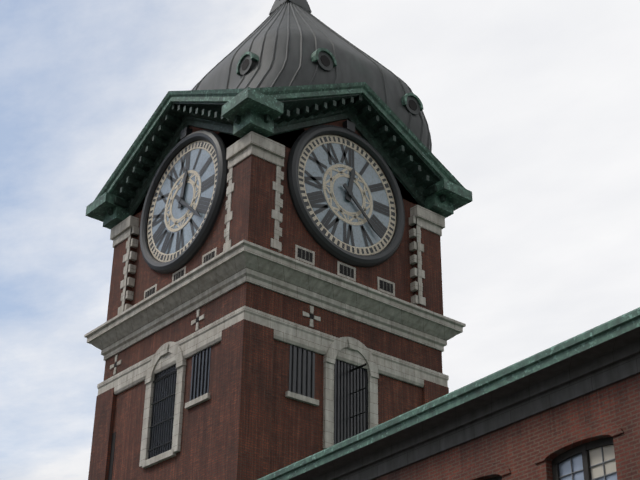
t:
**12:22**
